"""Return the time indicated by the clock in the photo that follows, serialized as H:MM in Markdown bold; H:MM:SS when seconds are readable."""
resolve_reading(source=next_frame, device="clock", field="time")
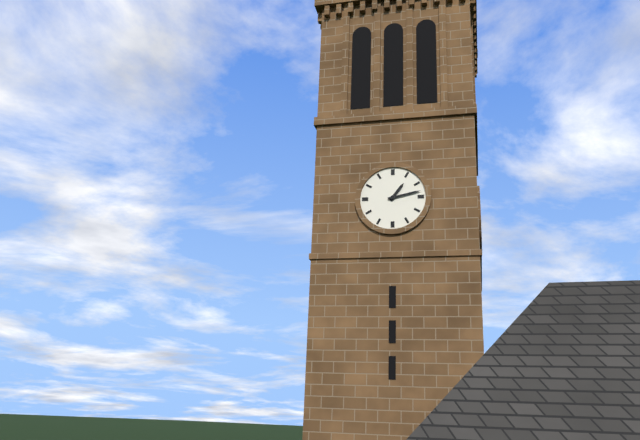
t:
**1:13**
